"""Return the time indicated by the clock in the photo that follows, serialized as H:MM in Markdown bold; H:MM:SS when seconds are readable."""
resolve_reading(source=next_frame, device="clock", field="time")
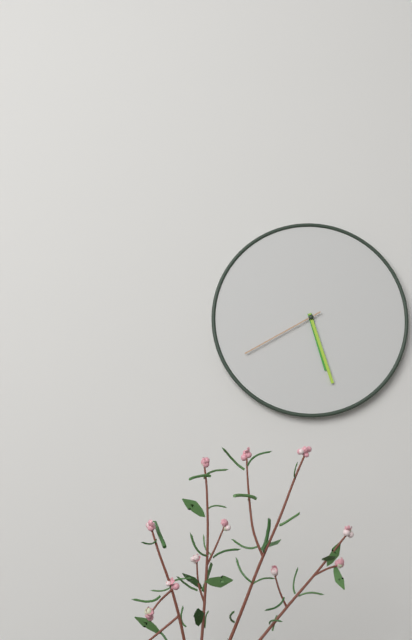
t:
**5:27:40**
